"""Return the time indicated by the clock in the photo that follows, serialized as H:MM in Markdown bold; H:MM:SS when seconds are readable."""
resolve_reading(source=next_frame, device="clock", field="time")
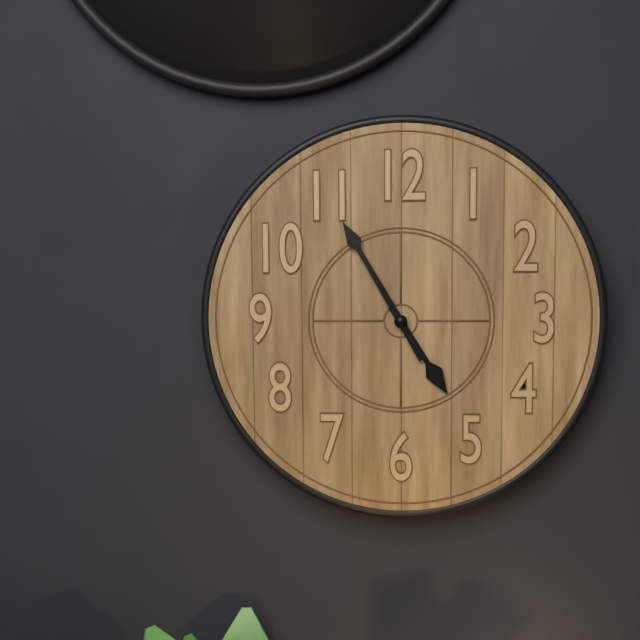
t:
**4:55**
